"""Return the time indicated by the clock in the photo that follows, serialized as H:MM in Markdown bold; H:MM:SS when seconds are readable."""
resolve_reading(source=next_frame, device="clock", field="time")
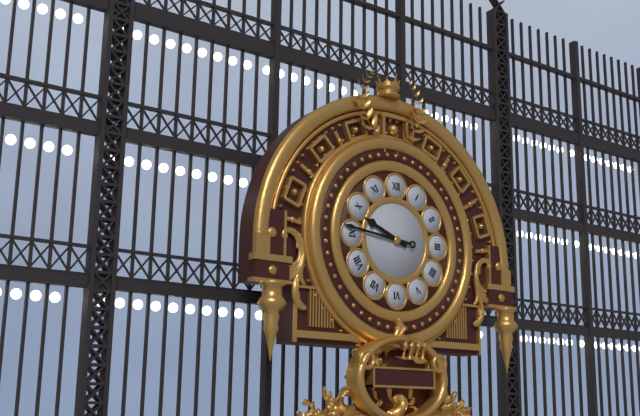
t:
**9:46**
